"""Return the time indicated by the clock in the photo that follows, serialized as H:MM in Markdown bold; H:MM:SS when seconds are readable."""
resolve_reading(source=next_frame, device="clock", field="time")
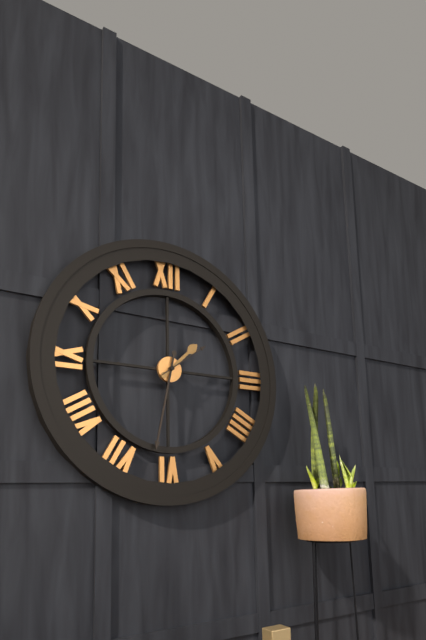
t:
**1:32:09**
